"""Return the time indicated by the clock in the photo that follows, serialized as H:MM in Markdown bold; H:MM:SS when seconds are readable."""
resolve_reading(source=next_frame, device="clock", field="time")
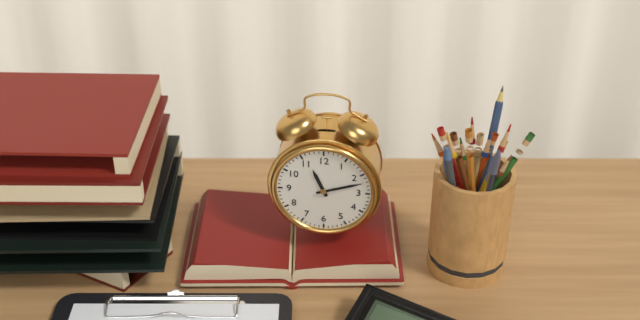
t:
**11:12**
